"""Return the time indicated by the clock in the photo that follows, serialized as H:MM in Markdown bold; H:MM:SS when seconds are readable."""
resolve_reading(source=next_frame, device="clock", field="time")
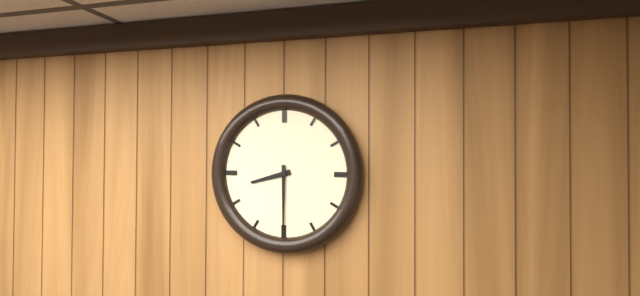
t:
**8:30**
